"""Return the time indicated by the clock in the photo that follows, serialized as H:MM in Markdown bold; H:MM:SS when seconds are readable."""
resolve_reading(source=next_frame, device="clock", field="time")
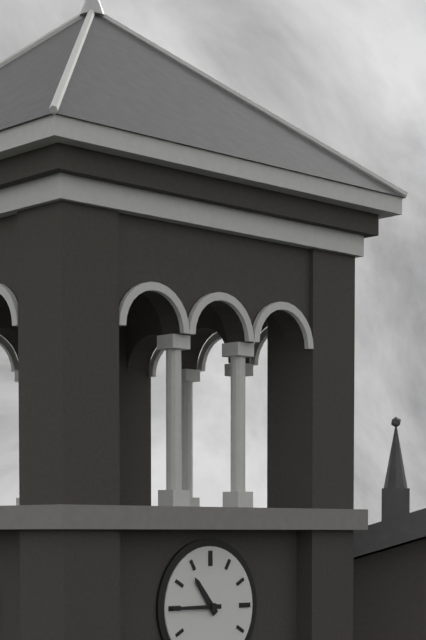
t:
**10:45**
